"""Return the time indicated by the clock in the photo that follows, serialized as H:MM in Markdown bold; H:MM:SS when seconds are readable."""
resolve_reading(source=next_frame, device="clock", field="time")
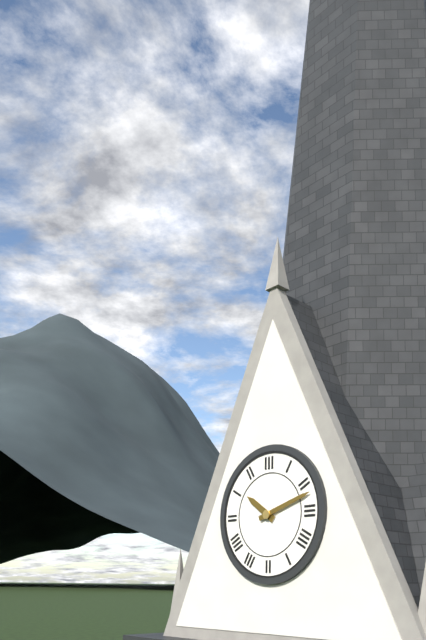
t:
**10:12**
